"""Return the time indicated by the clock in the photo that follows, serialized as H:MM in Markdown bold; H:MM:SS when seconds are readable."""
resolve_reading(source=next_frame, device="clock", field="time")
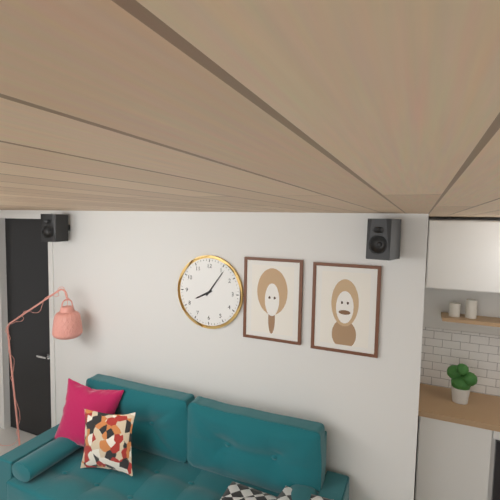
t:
**8:06**
